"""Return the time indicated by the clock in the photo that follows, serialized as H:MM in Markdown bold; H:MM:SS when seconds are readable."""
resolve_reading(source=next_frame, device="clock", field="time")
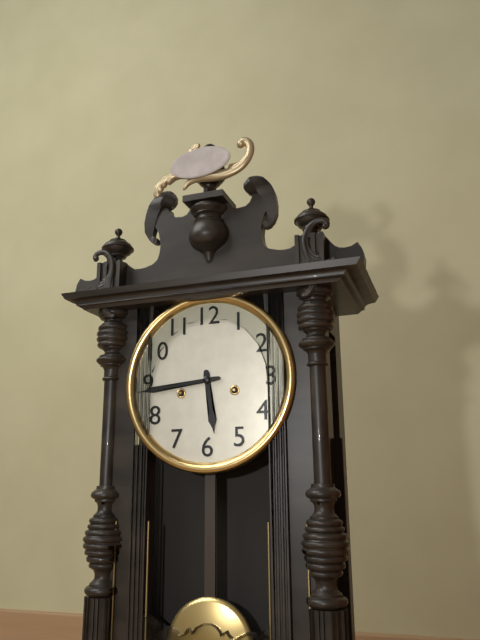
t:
**5:44**
